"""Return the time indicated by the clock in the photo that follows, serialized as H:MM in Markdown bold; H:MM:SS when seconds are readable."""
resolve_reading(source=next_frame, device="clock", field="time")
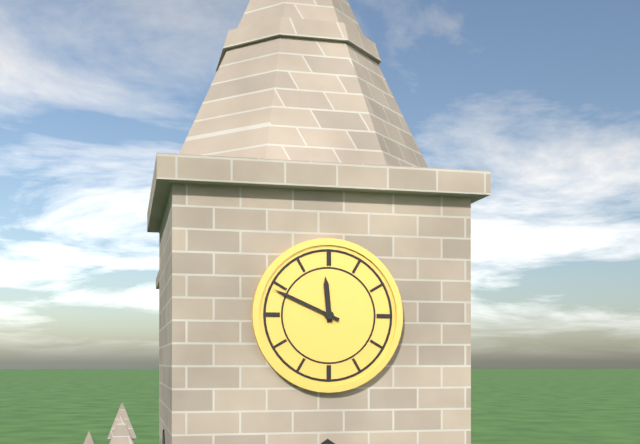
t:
**11:49**
